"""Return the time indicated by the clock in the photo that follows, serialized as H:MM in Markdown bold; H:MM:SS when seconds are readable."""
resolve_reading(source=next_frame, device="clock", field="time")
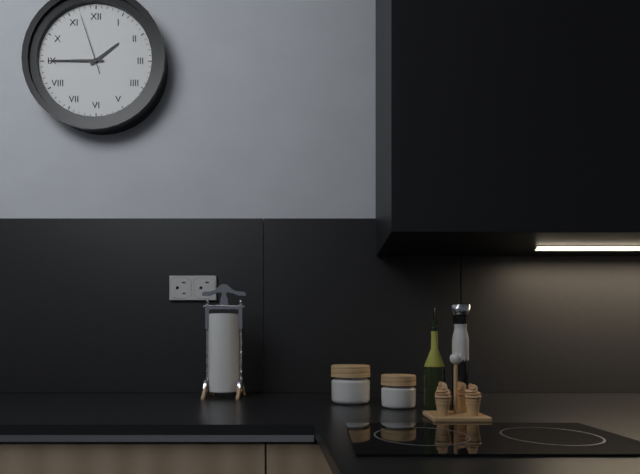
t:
**1:45:57**
